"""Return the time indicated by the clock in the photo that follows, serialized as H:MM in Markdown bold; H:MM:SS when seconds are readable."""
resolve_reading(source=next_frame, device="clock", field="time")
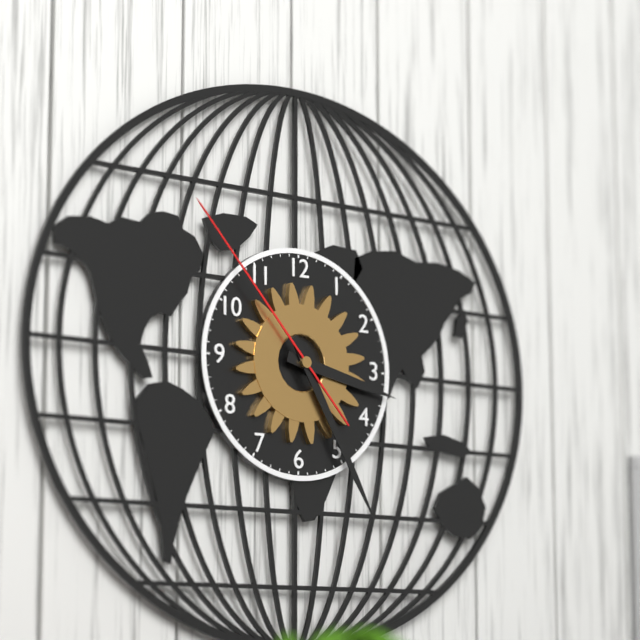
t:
**3:25:53**
